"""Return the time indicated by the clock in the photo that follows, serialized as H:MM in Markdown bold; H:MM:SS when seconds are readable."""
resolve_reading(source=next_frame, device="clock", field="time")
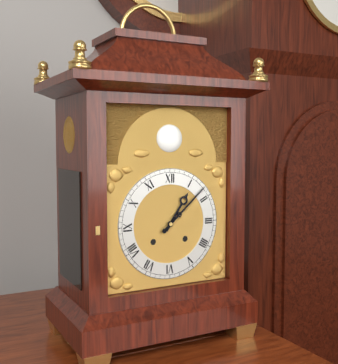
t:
**1:08**
